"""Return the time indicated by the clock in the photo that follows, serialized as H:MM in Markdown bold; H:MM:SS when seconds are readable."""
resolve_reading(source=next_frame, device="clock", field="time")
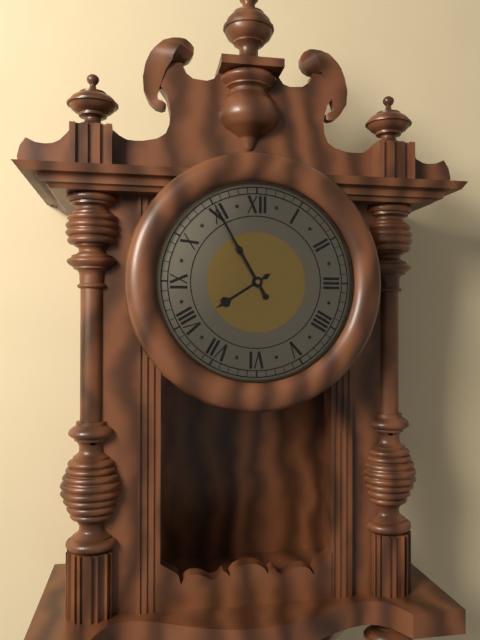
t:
**7:55**
